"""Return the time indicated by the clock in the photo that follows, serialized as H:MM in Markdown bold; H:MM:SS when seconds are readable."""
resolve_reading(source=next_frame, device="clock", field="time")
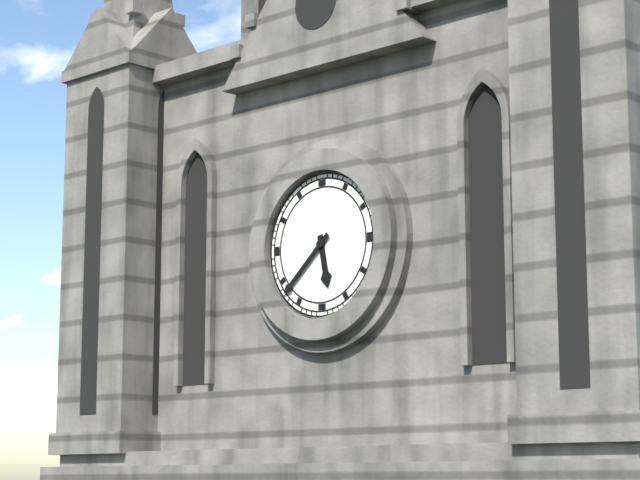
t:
**5:38**
